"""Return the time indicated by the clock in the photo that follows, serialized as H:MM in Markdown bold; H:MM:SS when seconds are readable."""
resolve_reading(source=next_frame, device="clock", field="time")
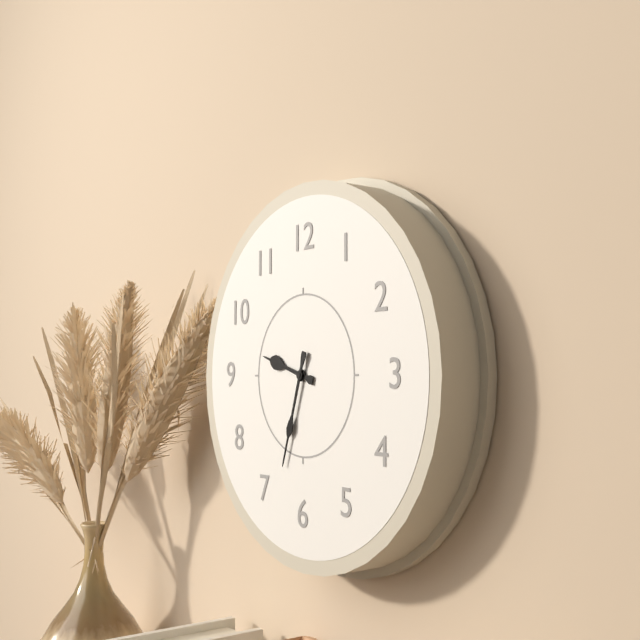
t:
**9:33**
